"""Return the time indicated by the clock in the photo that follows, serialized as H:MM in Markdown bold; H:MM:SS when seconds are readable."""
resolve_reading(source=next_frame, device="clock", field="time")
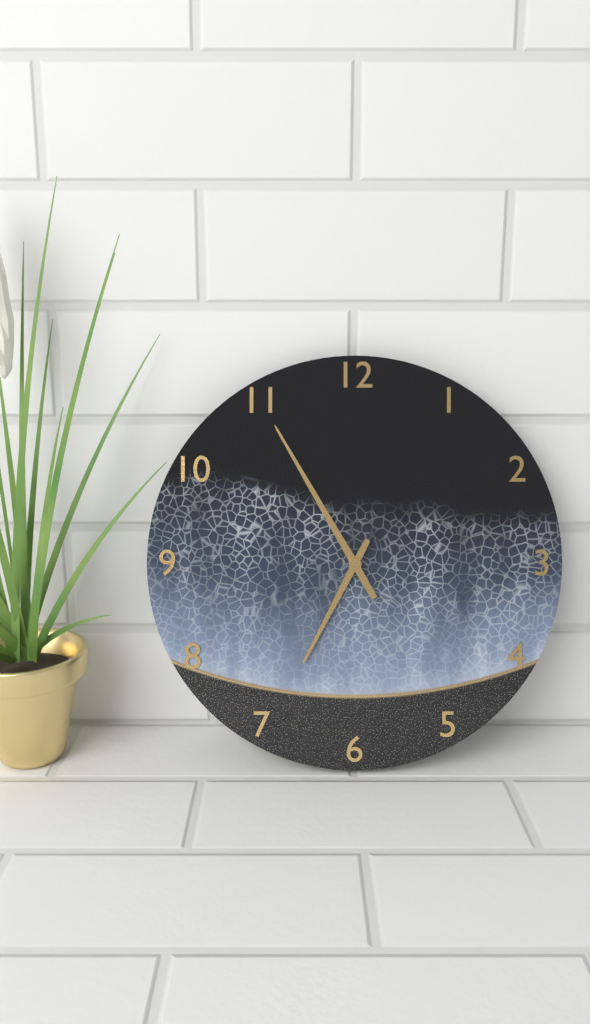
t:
**6:55**
